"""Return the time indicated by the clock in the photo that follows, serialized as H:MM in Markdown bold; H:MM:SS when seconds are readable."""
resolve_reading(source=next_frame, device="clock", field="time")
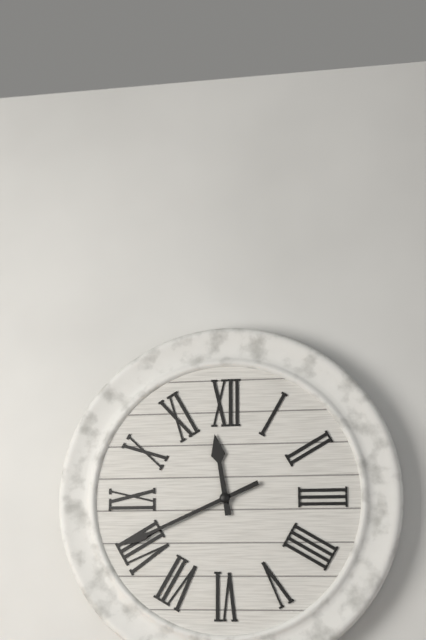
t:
**11:41**
